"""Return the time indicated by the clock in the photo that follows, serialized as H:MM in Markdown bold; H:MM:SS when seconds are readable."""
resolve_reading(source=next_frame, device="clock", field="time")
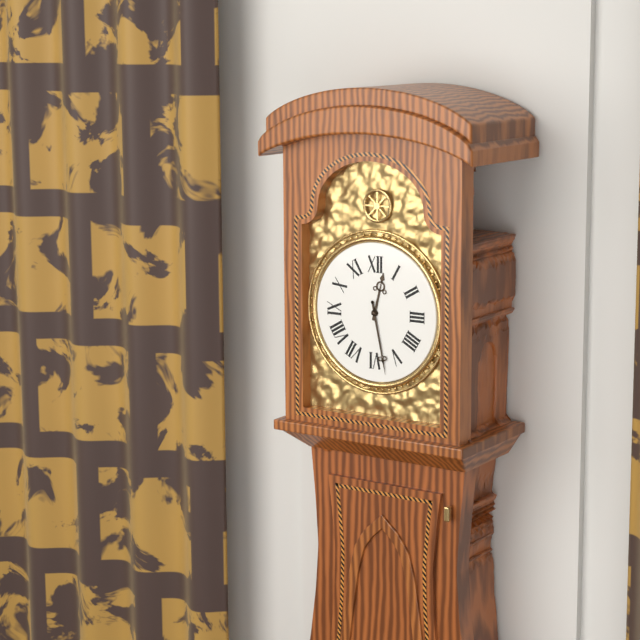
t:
**12:28**
